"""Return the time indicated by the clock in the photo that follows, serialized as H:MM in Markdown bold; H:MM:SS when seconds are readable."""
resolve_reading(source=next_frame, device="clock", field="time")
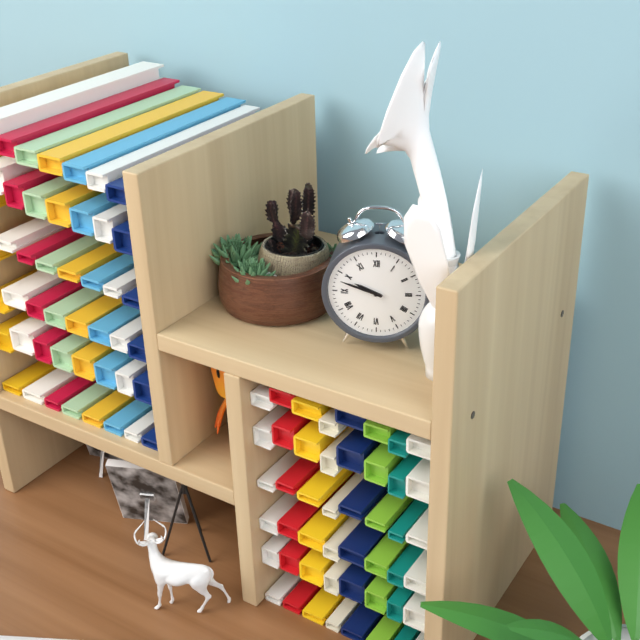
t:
**9:48**
